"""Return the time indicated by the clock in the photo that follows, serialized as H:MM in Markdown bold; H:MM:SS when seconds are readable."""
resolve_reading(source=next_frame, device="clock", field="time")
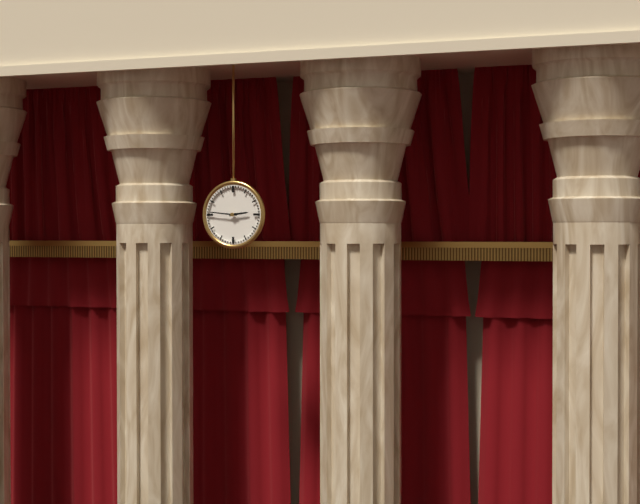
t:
**2:46**
